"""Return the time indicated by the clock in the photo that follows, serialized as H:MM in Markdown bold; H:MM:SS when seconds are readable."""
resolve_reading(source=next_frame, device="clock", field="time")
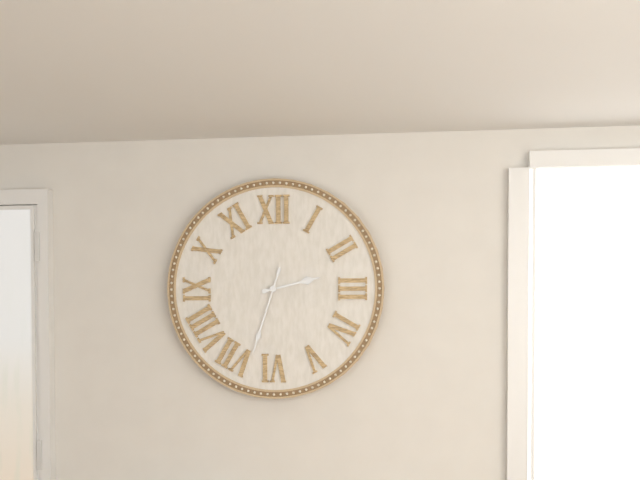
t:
**2:33**
